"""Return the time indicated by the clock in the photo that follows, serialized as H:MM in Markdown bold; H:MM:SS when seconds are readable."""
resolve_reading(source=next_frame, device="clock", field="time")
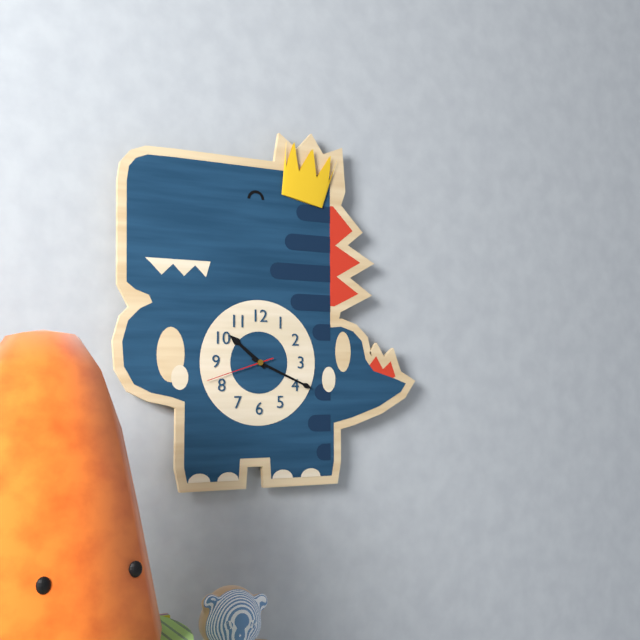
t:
**10:19:42**
